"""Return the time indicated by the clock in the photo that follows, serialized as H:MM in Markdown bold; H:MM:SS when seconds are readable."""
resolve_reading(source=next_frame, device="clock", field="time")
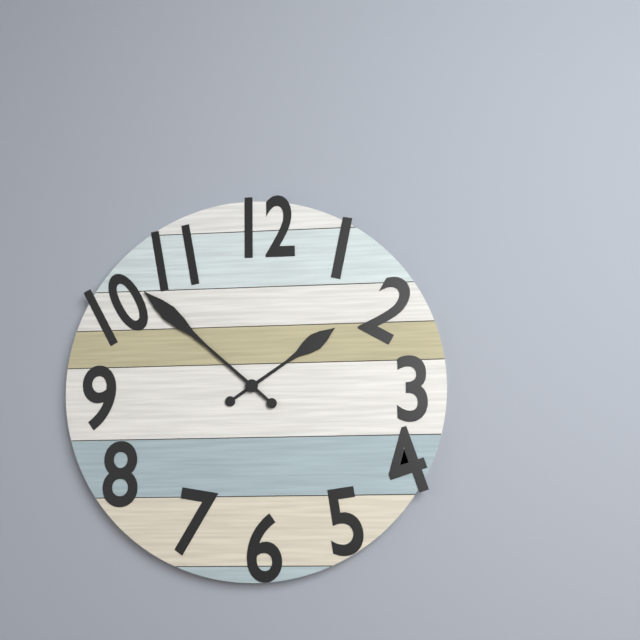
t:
**1:52**
